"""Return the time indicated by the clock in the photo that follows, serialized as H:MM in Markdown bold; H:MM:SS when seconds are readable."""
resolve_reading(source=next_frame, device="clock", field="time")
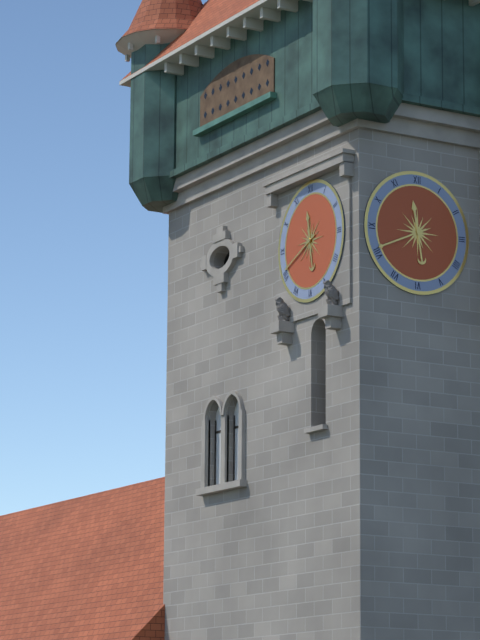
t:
**11:41**
